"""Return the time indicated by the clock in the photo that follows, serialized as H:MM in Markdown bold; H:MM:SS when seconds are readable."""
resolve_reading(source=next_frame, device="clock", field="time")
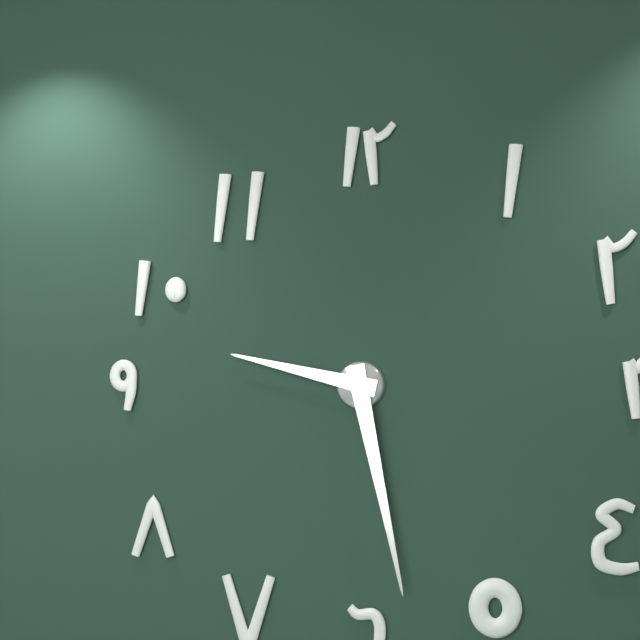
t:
**9:28**
